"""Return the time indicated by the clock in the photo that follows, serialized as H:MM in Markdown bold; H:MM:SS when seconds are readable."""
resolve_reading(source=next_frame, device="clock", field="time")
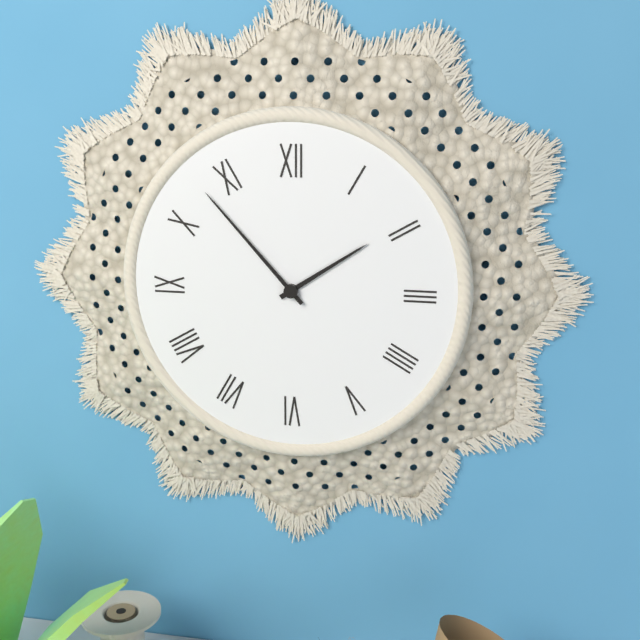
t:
**1:53**
